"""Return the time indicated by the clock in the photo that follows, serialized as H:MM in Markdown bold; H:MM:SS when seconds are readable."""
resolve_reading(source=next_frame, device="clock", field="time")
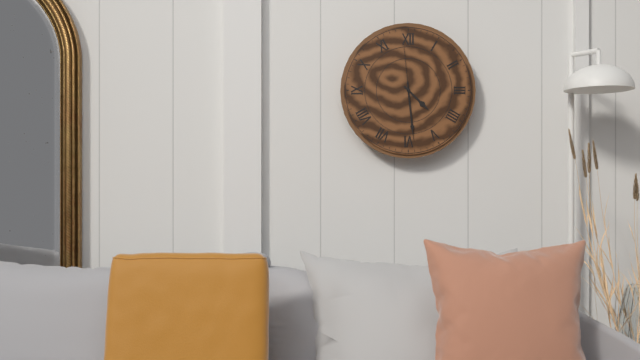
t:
**4:29:59**
